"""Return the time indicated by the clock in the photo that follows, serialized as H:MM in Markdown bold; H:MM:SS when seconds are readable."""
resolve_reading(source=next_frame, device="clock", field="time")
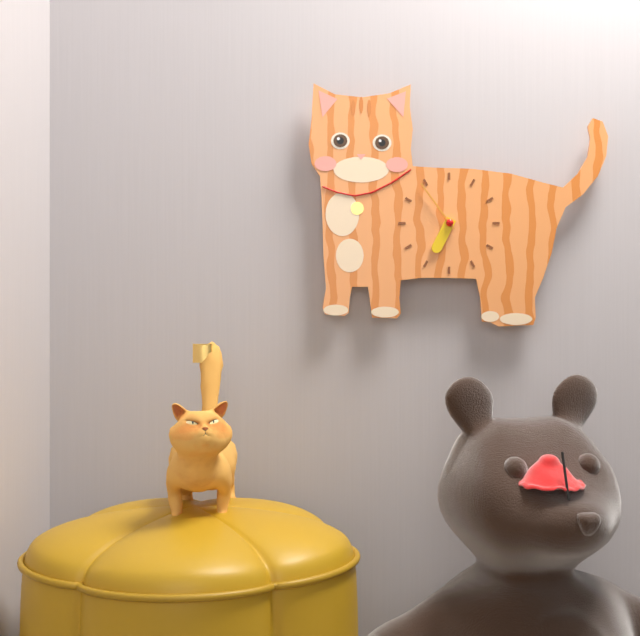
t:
**6:54**
